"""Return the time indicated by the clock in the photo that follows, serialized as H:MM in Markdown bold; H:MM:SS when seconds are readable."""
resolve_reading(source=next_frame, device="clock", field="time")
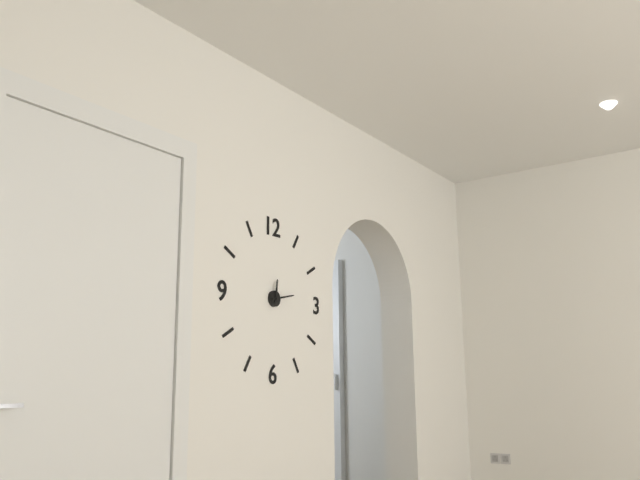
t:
**12:13**
